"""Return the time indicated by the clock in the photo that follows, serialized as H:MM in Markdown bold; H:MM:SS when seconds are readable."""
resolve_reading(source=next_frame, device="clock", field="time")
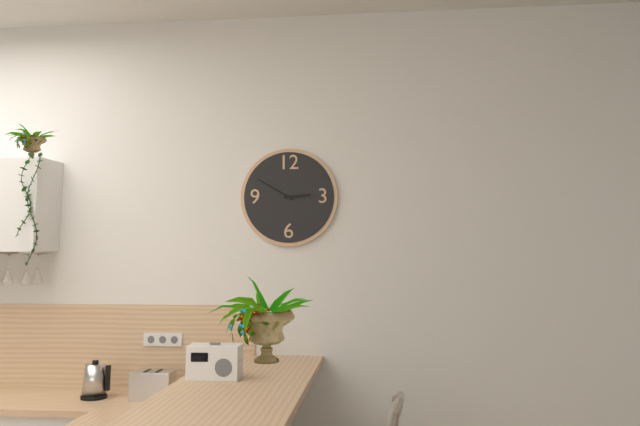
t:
**2:50**
